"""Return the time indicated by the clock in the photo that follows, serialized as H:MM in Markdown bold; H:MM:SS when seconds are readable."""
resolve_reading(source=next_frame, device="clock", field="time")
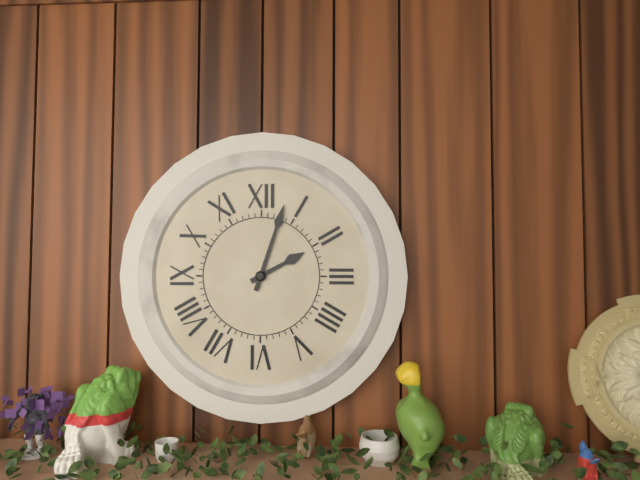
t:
**2:03**
